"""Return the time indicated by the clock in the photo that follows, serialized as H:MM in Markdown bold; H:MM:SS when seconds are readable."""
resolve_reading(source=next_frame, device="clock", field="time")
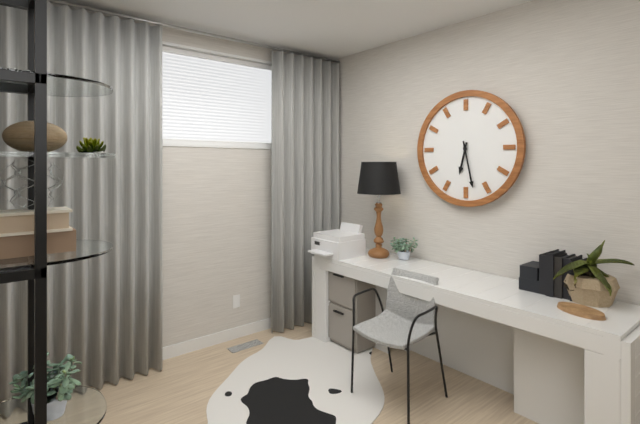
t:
**6:28**
